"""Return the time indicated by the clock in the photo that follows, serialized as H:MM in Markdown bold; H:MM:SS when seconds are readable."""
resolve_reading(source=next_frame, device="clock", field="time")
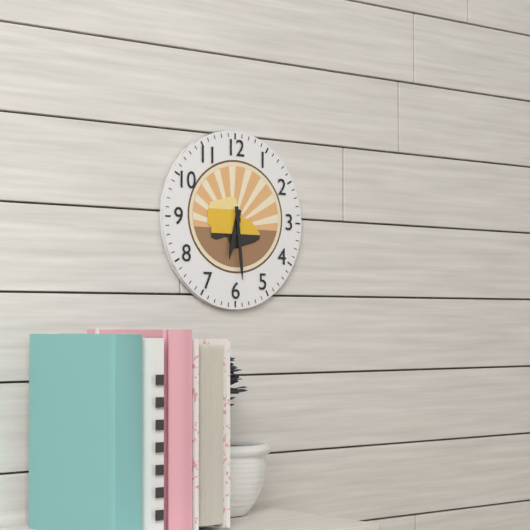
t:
**6:29**
